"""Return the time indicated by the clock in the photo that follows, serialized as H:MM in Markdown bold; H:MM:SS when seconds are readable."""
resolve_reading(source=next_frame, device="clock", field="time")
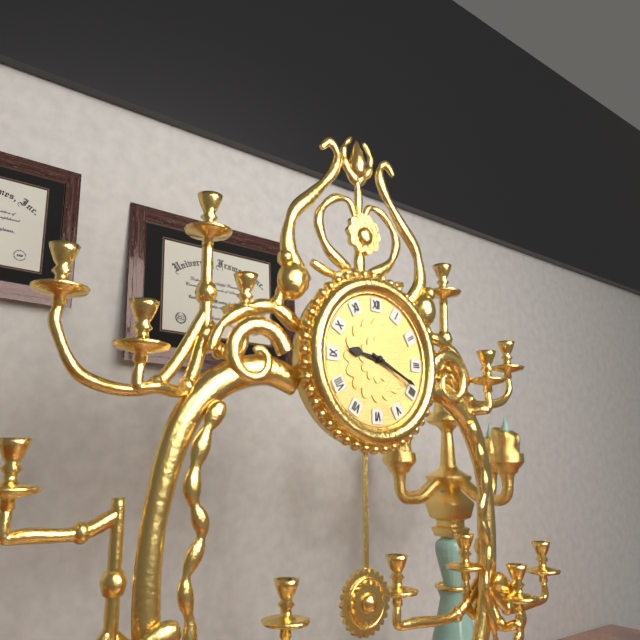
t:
**9:19**
